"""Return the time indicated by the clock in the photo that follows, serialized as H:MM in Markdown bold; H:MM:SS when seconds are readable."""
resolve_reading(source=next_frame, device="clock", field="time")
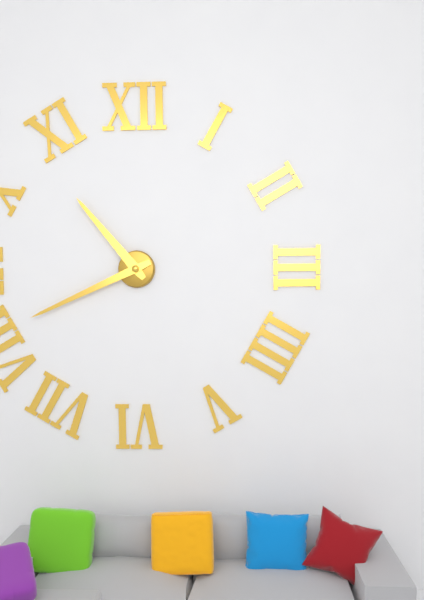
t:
**10:41**
